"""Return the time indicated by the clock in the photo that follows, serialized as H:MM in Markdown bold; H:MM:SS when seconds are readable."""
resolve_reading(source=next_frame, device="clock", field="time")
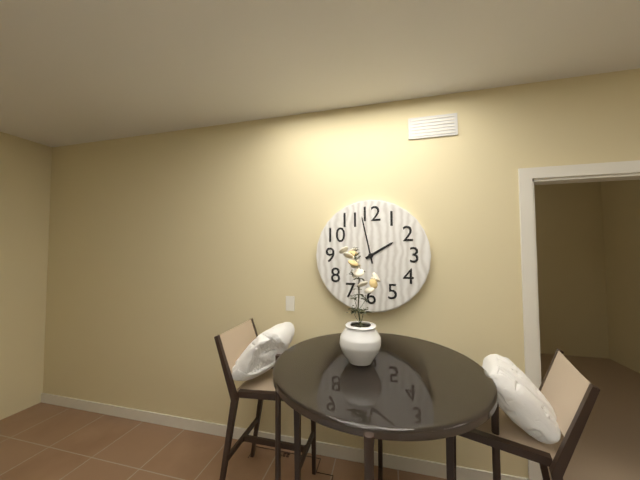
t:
**1:58**
